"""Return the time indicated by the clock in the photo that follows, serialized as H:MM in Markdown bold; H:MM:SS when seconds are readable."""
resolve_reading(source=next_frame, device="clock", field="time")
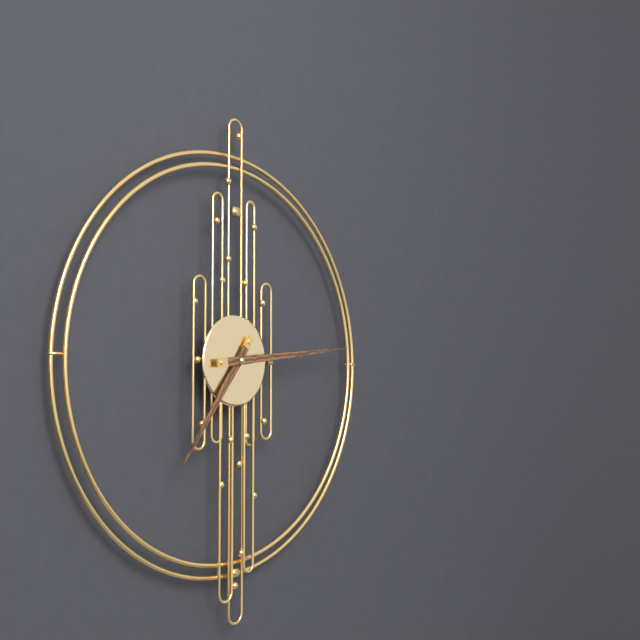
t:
**7:14**
